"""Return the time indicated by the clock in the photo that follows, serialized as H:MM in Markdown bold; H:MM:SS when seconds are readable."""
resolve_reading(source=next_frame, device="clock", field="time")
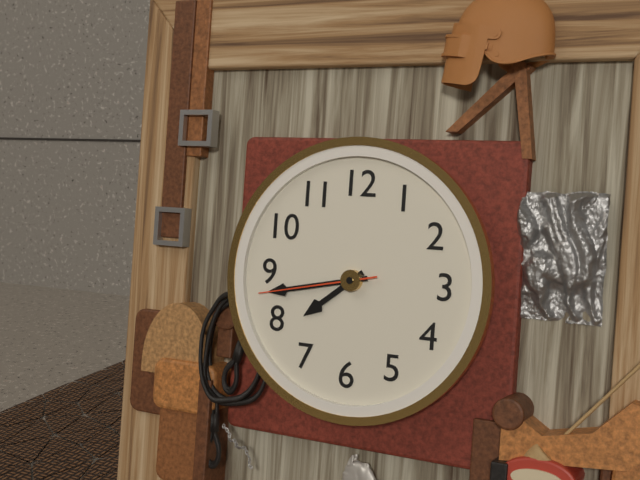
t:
**7:43:43**
